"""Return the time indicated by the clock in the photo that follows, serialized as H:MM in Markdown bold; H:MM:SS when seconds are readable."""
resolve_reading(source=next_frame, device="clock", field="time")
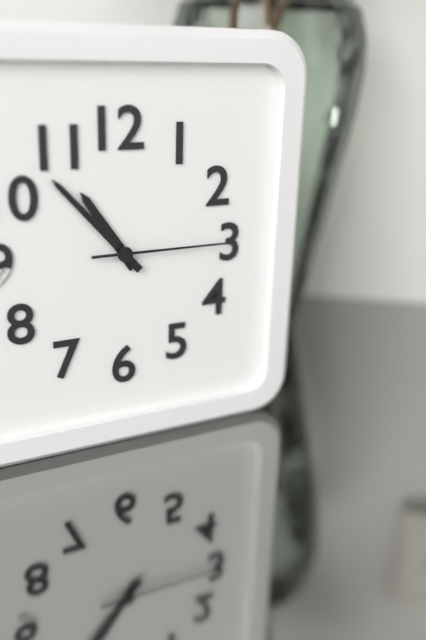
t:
**10:53:15**
